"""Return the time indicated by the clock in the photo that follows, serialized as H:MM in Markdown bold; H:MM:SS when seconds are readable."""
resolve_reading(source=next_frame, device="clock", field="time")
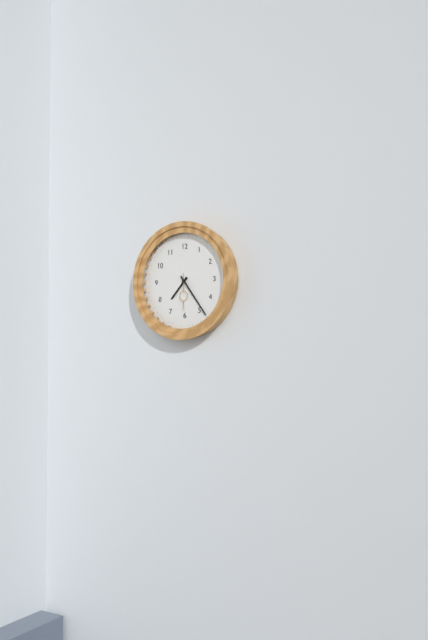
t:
**7:24**
